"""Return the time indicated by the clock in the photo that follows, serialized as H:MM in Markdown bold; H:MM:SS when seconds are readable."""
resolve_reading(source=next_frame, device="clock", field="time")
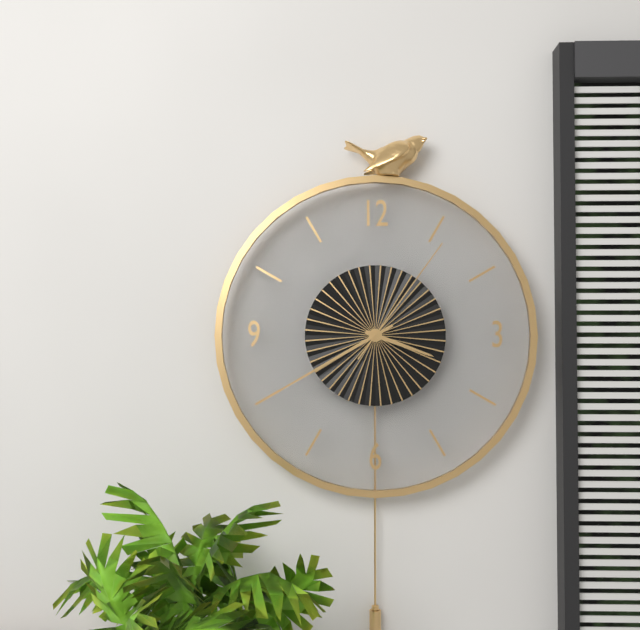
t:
**3:40:06**
